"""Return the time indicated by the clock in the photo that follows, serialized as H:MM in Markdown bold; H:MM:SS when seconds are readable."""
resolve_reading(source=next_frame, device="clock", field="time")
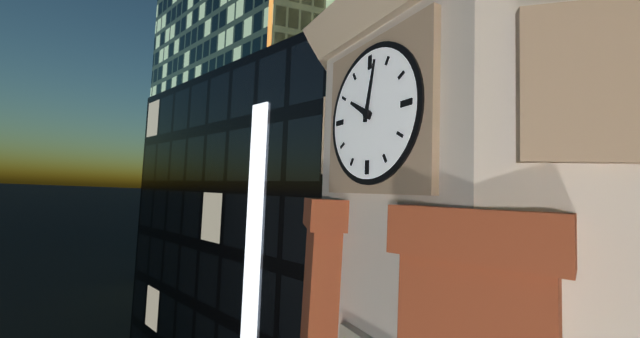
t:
**10:02**
